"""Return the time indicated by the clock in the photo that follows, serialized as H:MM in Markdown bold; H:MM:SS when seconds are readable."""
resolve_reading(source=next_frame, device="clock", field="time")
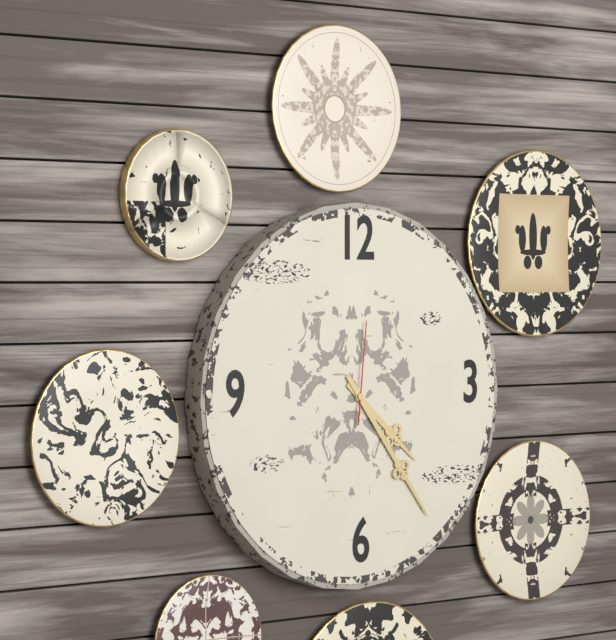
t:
**4:24:01**
